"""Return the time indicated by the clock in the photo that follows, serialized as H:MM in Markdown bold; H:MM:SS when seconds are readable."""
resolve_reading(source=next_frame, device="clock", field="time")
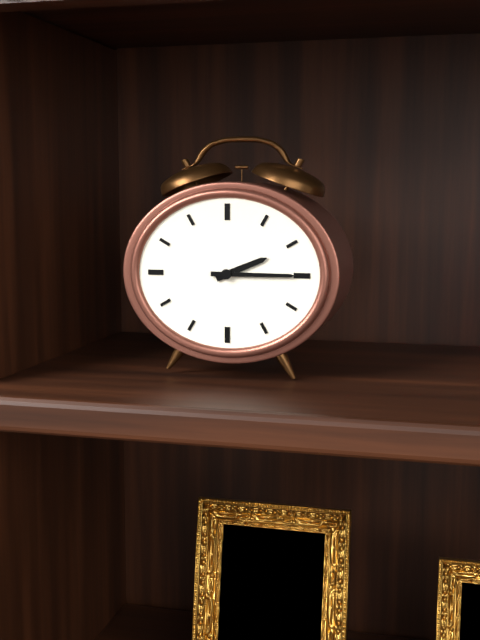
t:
**2:15**
